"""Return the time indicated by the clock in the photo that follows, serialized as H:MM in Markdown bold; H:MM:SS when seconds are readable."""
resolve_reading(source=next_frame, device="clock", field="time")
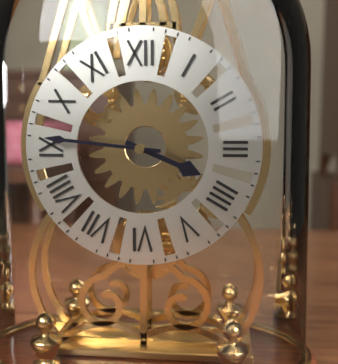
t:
**3:46**
